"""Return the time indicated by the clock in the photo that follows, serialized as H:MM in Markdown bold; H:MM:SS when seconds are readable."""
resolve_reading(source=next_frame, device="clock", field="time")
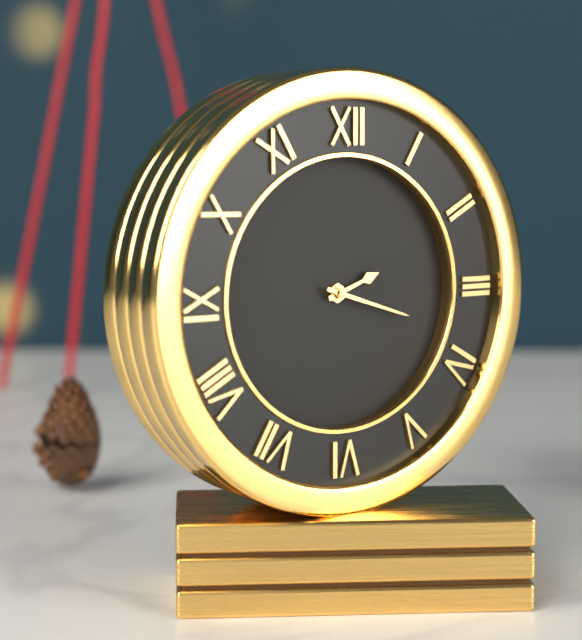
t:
**2:18**
